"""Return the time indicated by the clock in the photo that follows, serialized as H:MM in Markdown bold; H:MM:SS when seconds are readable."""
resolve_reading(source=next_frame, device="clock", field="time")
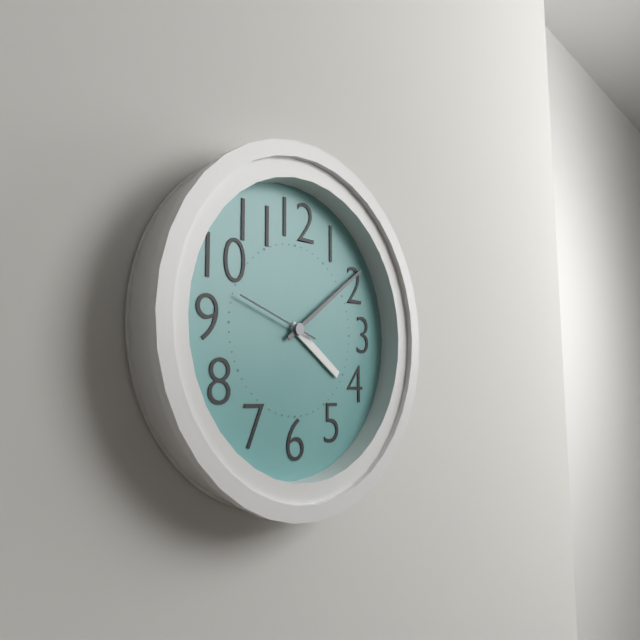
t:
**4:09:48**
